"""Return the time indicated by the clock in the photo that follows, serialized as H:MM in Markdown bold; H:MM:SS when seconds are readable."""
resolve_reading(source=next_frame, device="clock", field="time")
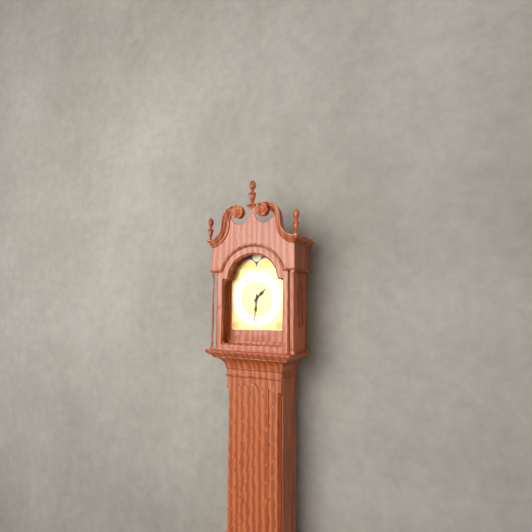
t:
**1:31**
